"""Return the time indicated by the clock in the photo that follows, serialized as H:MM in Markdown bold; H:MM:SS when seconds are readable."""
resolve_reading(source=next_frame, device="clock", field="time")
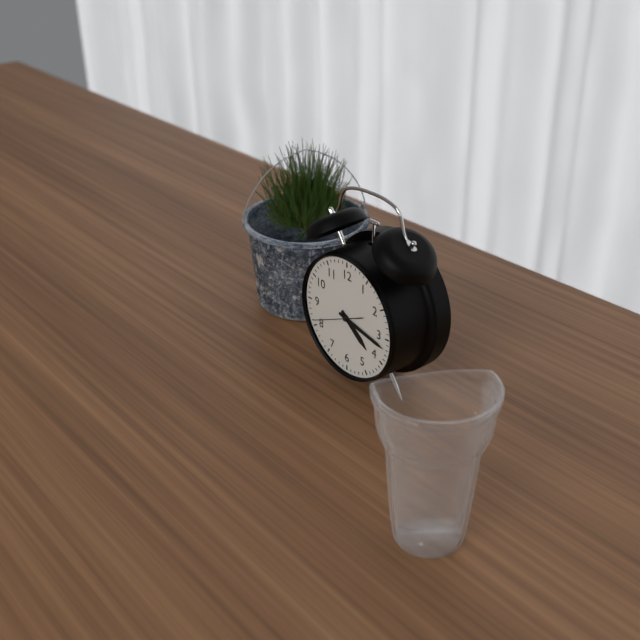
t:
**4:17**
